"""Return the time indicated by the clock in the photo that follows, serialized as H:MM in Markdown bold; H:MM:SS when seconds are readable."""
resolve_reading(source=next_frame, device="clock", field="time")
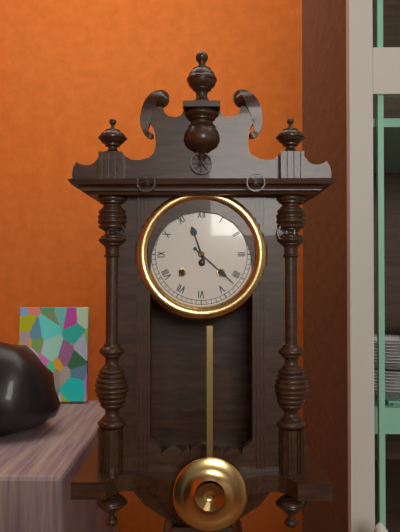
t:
**11:22**
